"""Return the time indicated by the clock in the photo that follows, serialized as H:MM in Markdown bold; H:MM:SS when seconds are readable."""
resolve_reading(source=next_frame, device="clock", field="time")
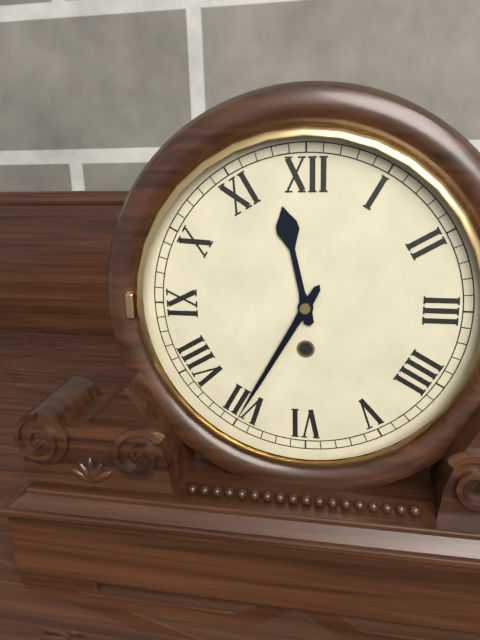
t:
**11:35**
